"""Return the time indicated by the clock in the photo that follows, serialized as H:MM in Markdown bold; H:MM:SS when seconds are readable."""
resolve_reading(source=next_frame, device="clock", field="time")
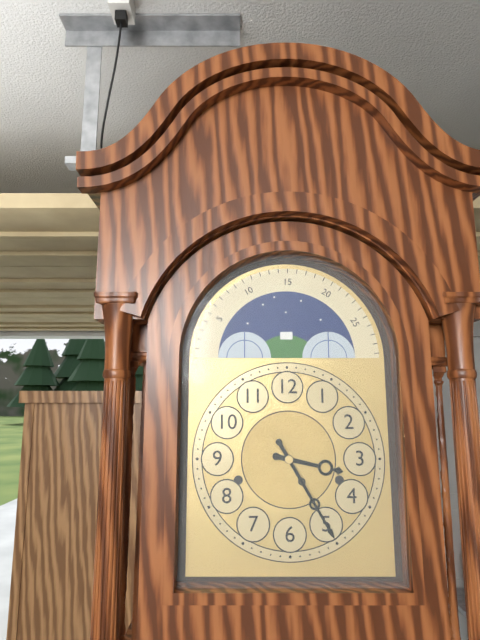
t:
**3:25**
